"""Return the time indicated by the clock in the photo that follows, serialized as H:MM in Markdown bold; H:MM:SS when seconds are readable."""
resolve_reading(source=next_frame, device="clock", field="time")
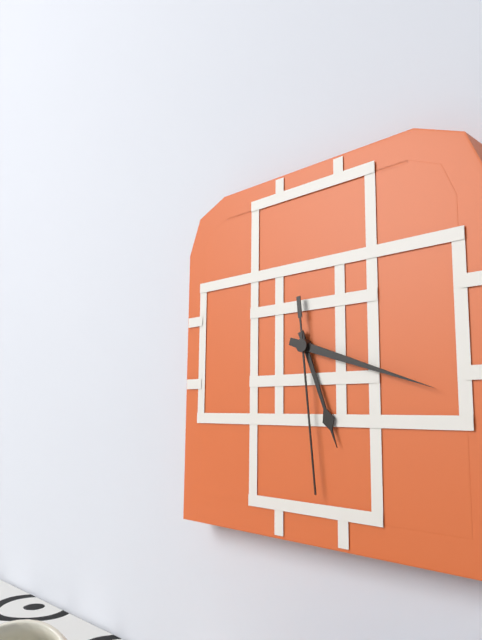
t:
**5:18:29**
